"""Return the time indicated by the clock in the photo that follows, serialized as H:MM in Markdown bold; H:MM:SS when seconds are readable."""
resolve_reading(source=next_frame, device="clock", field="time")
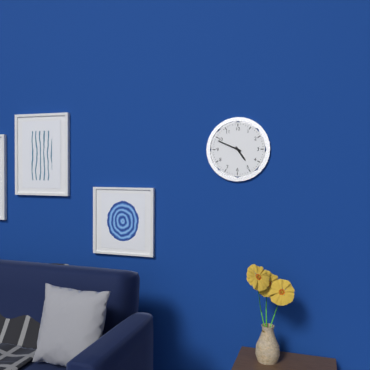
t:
**4:49**
